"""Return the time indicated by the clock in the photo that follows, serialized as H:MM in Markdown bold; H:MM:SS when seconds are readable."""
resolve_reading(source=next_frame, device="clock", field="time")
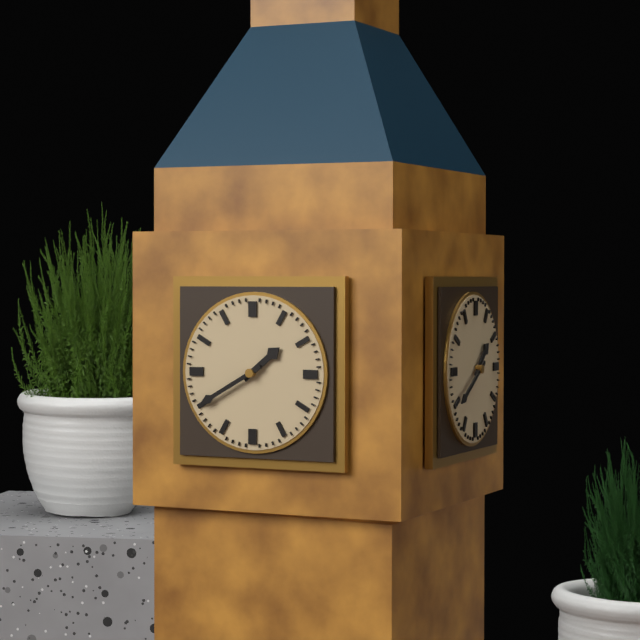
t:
**1:40**
